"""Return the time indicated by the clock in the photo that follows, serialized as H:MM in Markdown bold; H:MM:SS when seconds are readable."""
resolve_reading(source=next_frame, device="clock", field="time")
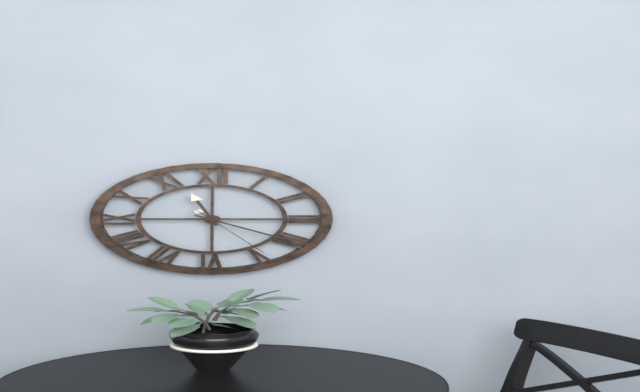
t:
**11:20:24**
